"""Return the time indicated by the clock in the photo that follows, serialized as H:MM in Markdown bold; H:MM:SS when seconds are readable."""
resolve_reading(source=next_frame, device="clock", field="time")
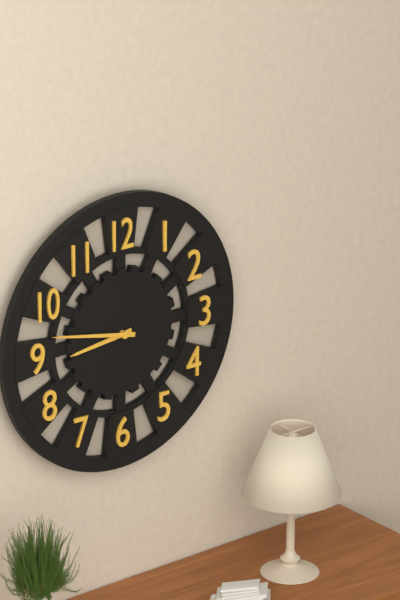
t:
**8:47**
